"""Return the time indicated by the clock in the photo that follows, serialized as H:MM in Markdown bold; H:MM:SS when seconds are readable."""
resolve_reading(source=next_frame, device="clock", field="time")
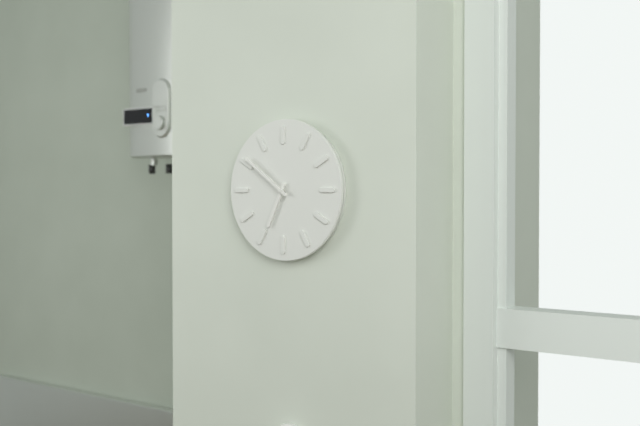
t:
**6:51**
